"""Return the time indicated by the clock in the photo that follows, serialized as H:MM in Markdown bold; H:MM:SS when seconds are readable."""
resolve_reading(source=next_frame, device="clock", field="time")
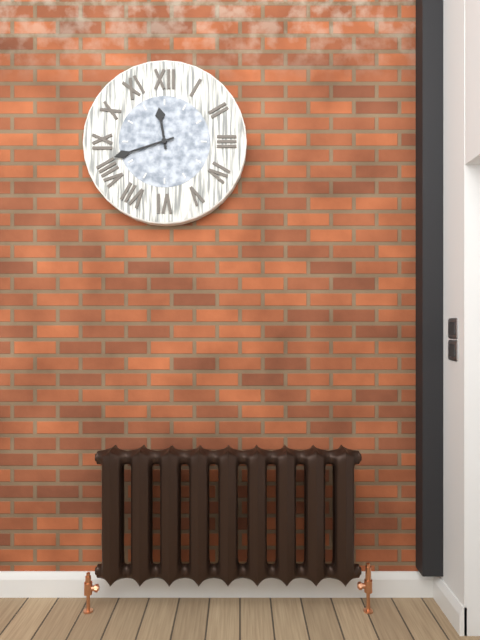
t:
**11:42**
